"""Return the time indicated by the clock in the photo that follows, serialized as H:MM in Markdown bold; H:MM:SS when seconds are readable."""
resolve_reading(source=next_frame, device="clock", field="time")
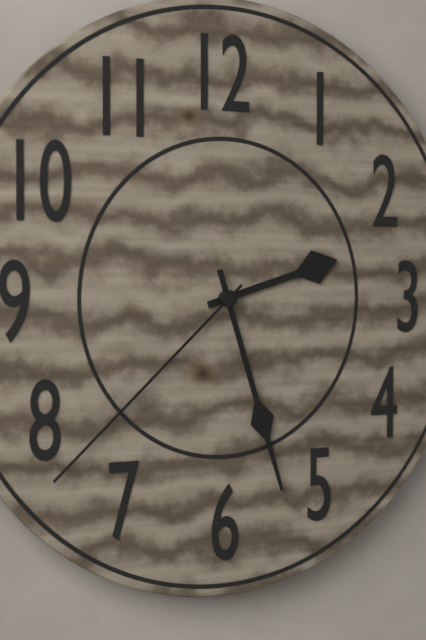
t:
**2:27:38**
